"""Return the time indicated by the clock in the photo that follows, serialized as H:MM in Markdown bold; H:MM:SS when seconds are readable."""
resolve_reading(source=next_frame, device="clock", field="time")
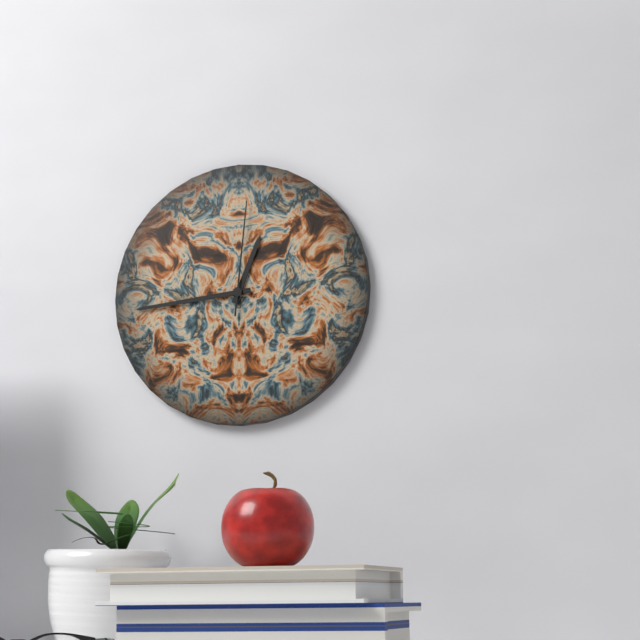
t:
**12:44:01**
